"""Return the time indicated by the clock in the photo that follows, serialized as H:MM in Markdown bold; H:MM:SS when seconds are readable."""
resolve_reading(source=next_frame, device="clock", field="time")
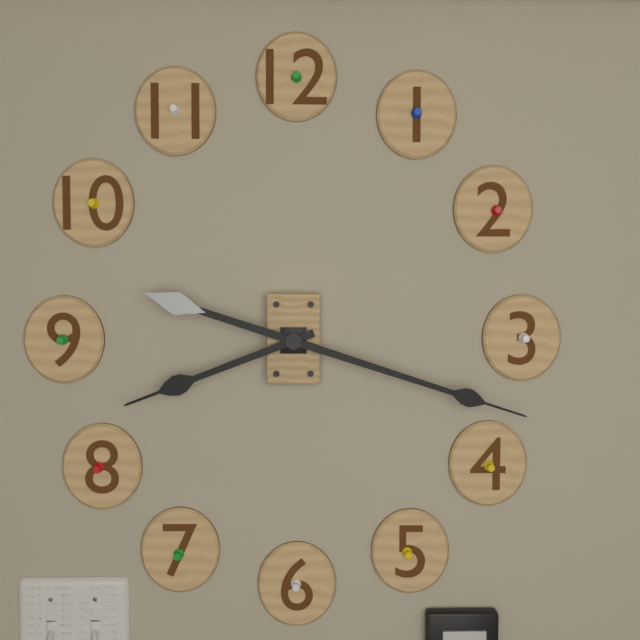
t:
**8:18**
